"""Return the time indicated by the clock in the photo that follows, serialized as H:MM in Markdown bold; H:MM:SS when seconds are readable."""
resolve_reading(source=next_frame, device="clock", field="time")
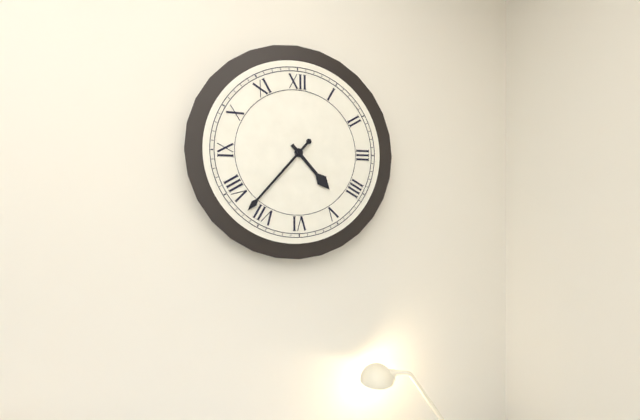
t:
**4:37**
